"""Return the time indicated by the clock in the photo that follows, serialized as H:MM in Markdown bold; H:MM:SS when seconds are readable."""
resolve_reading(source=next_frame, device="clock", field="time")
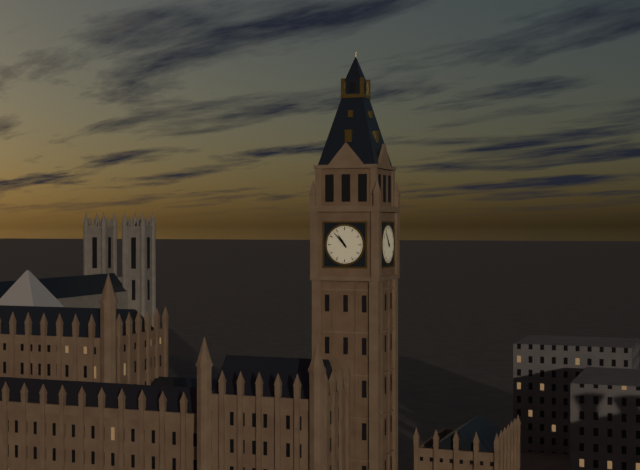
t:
**10:53**
